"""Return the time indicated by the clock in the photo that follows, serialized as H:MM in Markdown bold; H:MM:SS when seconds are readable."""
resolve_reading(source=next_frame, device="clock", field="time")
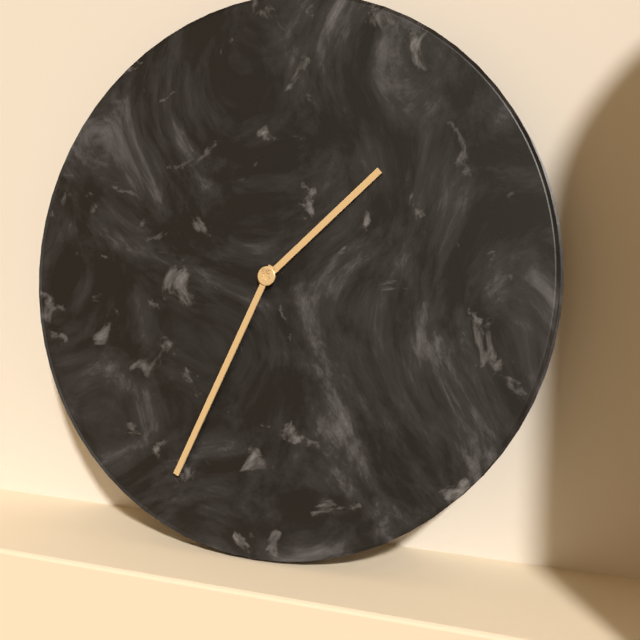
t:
**1:34**
